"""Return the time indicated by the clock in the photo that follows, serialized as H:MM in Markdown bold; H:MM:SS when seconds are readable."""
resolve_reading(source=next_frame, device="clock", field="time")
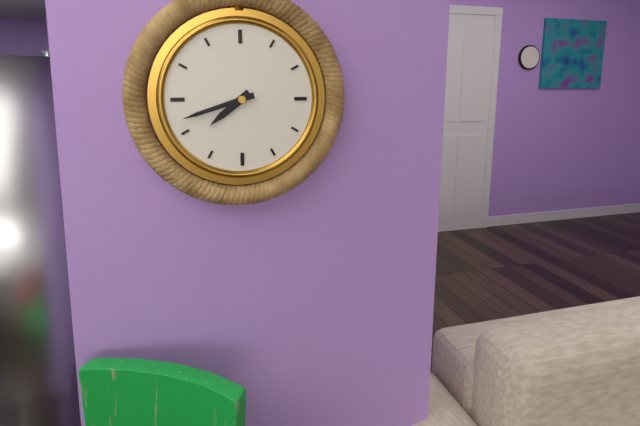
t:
**7:42**
